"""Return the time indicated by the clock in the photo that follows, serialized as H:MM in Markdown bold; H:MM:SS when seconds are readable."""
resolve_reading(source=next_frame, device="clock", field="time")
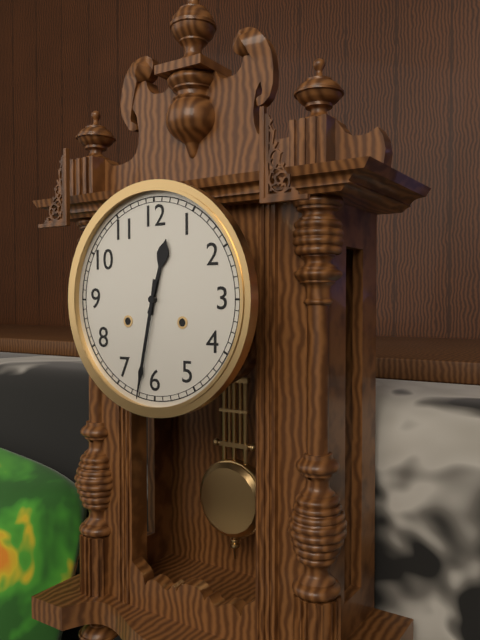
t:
**12:32**
